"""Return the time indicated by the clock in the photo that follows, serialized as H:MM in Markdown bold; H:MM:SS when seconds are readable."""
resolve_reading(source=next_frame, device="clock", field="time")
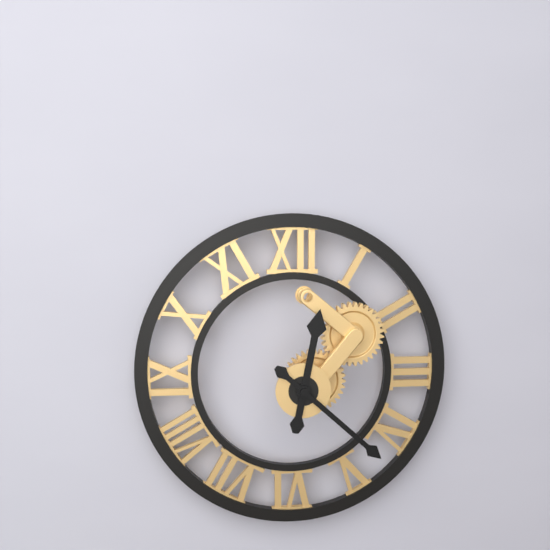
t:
**12:22**
